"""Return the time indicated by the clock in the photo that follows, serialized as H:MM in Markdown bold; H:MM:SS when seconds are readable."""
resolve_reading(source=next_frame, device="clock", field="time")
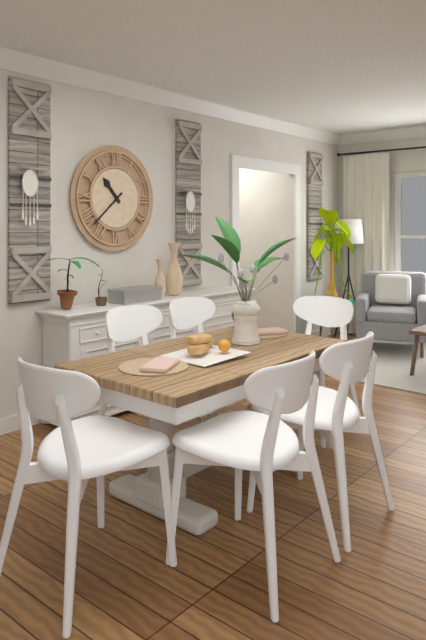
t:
**10:38**
